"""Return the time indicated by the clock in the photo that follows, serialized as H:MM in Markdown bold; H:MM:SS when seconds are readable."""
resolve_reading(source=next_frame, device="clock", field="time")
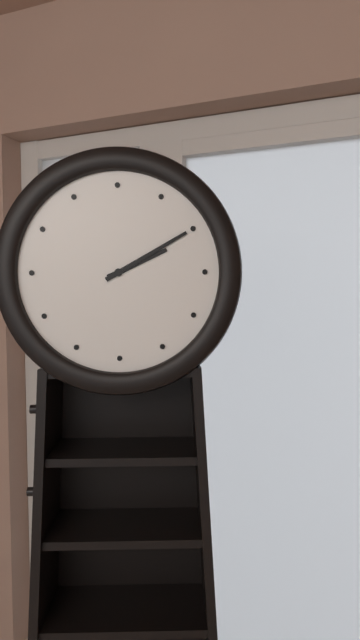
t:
**2:10**
